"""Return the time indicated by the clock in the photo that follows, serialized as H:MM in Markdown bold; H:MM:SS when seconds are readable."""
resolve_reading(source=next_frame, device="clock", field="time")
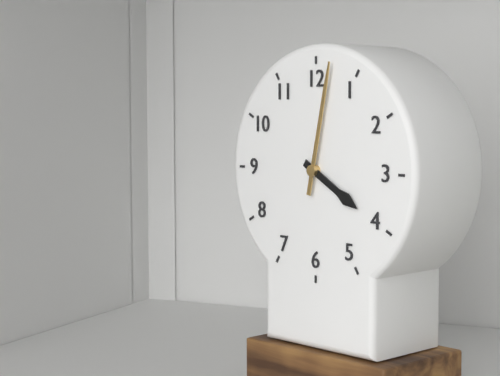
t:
**4:02**
